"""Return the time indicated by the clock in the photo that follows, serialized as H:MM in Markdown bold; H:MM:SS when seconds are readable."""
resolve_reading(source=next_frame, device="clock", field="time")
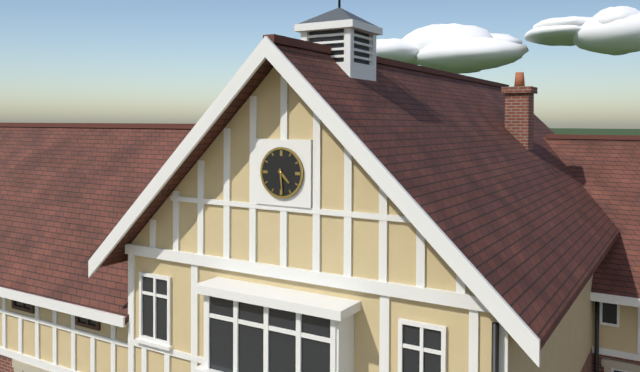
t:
**4:29**
